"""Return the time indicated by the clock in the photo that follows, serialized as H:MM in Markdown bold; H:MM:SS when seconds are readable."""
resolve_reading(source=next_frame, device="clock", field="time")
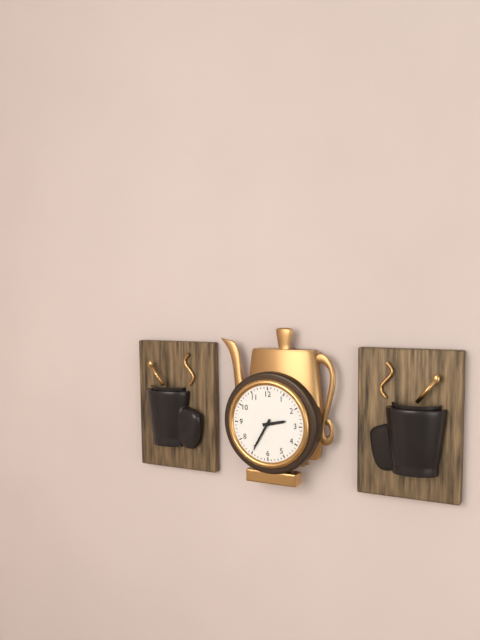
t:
**2:35**
